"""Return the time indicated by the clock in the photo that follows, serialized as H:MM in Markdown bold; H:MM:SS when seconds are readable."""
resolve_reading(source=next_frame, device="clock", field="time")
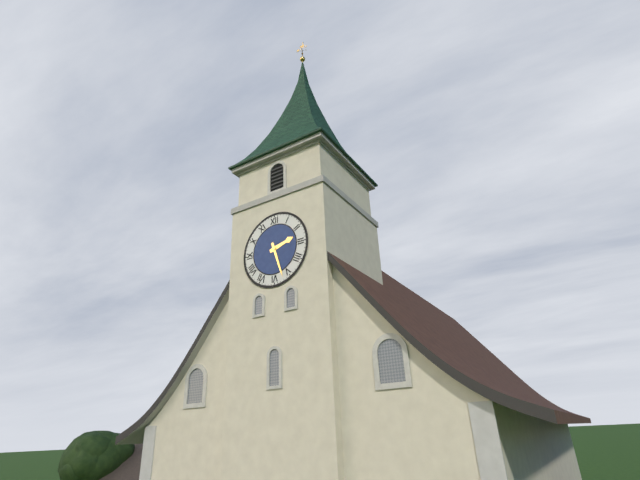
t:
**2:27**
